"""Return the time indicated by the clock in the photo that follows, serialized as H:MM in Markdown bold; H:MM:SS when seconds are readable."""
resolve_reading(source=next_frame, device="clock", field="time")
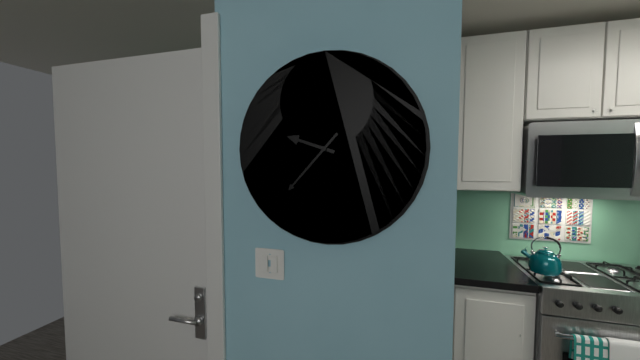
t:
**9:37**
